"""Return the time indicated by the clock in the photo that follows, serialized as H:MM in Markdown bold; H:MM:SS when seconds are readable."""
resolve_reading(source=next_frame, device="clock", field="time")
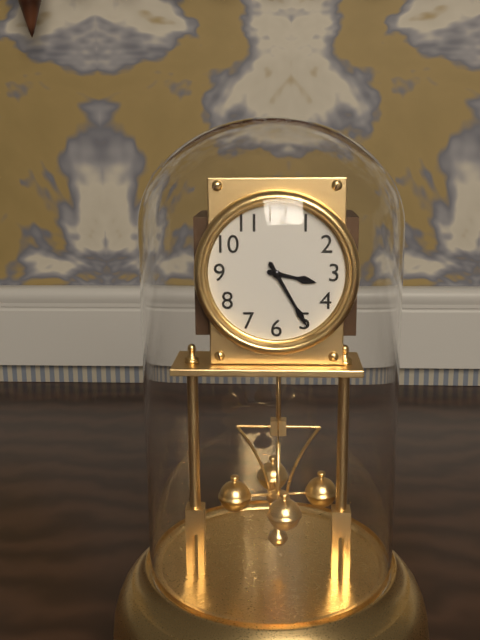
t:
**3:25**
